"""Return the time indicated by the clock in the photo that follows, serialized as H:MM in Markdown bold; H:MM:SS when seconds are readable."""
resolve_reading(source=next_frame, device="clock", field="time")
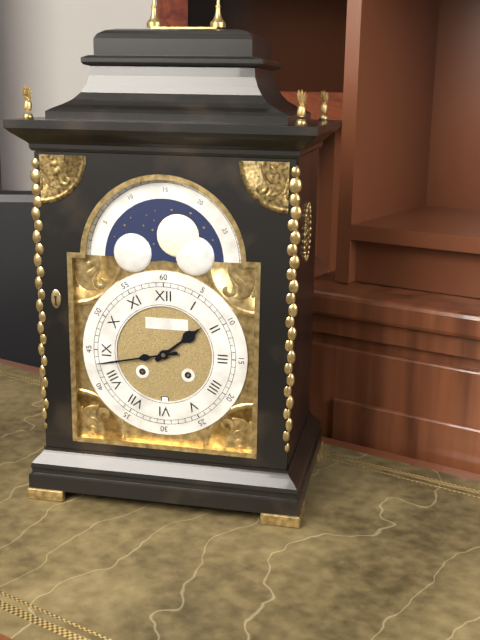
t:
**1:43**
